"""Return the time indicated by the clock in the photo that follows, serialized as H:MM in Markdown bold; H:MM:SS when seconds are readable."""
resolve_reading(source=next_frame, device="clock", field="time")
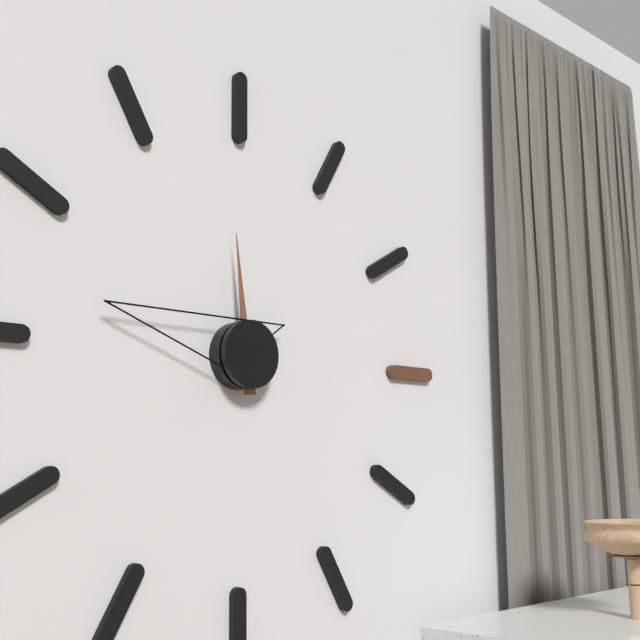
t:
**11:47**
